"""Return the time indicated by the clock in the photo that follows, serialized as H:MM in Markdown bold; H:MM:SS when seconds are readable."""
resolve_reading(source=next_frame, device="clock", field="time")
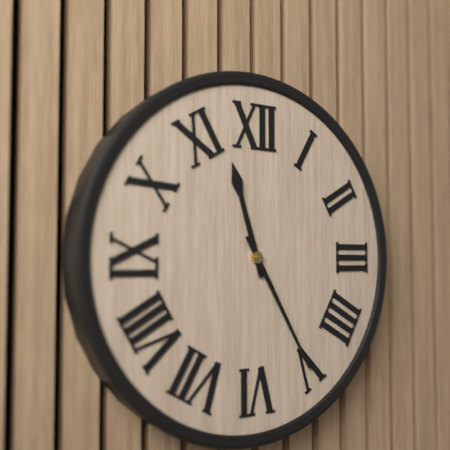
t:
**11:25**
